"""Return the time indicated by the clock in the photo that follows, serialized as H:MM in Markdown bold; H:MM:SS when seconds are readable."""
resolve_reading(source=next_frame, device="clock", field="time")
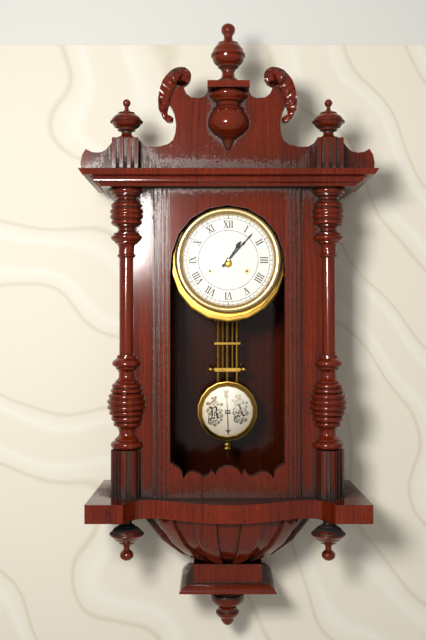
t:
**1:07**
